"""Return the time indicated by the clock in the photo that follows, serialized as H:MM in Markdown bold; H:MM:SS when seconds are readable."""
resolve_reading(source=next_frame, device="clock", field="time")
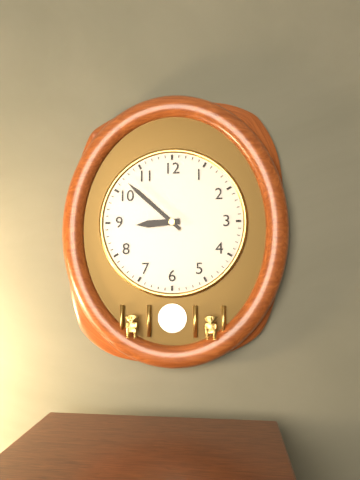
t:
**8:52**
